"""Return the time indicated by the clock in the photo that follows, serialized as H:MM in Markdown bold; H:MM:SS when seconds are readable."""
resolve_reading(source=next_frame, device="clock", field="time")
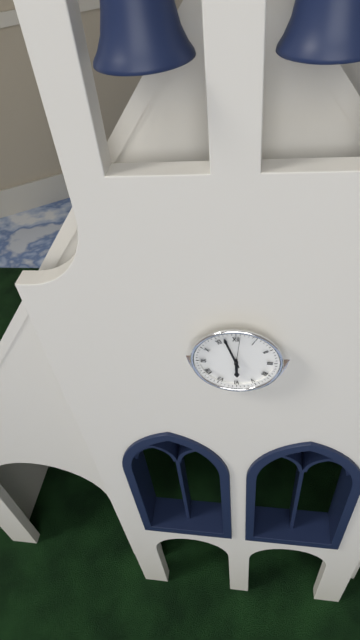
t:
**5:57**
